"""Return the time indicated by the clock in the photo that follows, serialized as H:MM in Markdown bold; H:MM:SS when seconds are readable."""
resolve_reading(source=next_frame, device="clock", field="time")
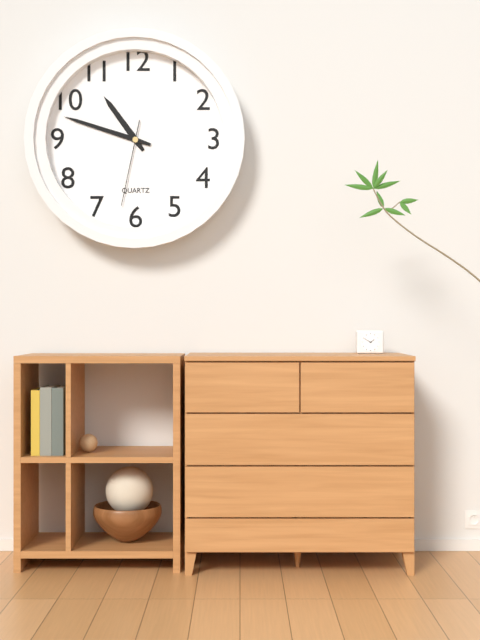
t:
**10:48:32**
